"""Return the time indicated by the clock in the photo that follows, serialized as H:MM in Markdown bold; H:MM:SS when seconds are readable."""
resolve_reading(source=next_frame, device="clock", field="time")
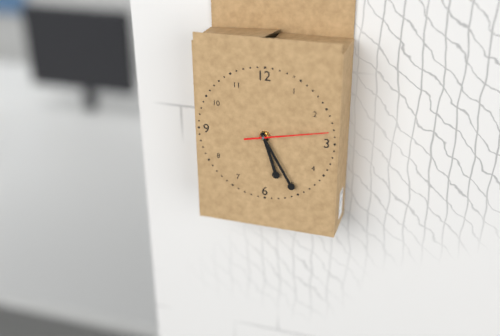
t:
**5:25:13**
